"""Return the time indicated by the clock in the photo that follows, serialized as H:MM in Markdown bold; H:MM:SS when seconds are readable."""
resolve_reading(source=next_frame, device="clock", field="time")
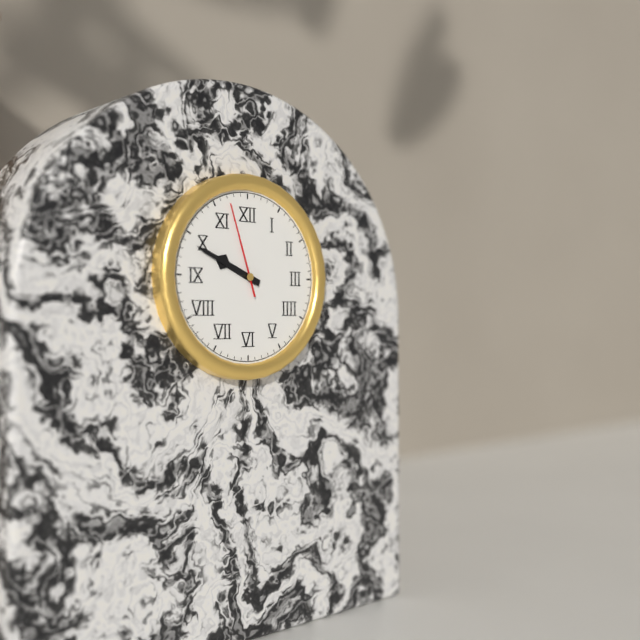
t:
**9:49:57**
